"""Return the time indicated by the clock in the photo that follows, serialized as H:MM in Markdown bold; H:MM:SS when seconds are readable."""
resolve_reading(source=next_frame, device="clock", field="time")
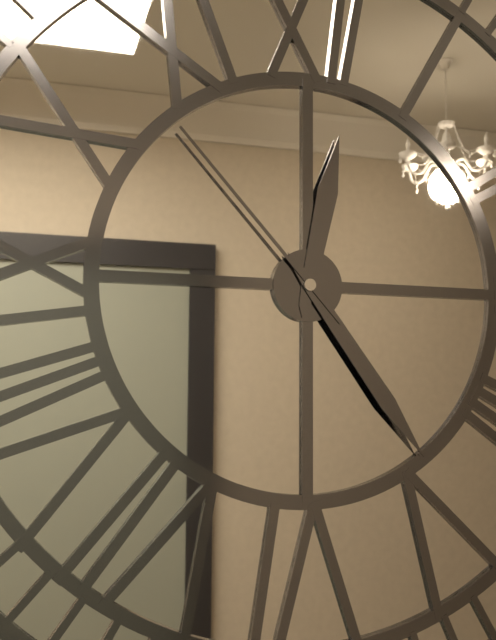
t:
**12:24:53**
